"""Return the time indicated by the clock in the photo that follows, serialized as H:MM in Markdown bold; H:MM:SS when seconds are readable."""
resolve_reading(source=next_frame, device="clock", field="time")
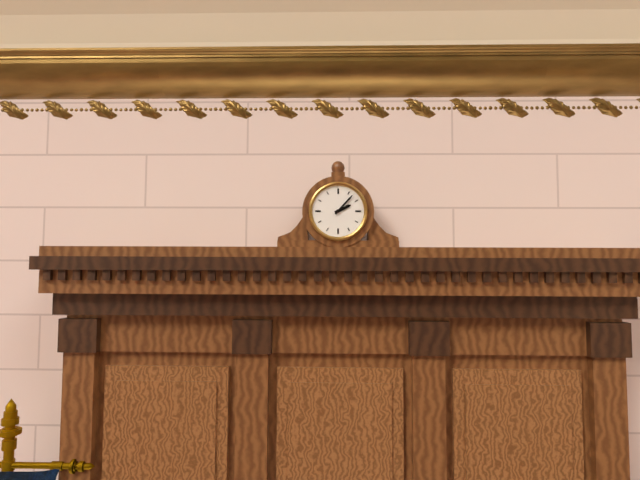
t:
**2:07**
